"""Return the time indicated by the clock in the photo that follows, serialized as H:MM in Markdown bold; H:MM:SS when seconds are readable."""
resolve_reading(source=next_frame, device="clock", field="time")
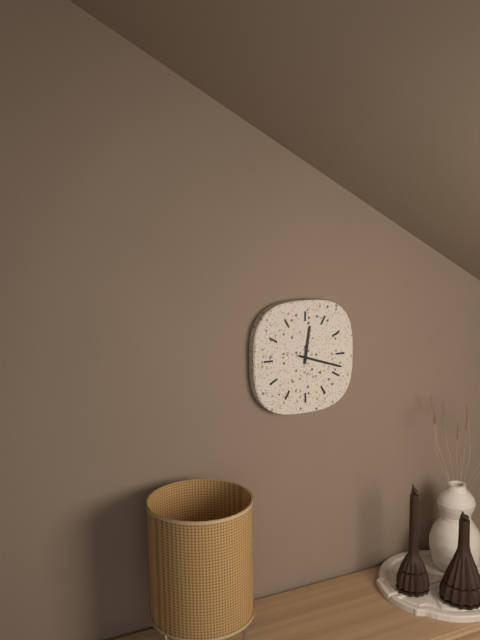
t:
**12:18**
